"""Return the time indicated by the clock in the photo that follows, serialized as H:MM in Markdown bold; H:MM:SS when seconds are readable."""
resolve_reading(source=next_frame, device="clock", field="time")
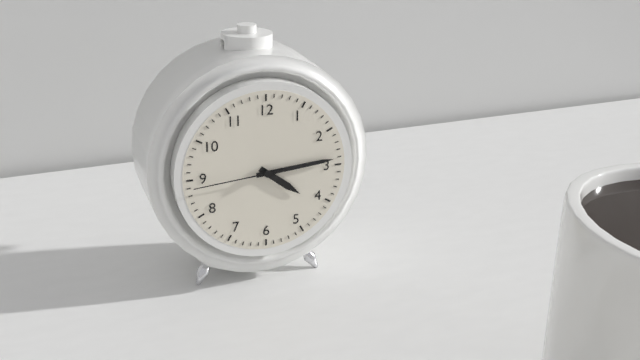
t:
**4:14:44**
